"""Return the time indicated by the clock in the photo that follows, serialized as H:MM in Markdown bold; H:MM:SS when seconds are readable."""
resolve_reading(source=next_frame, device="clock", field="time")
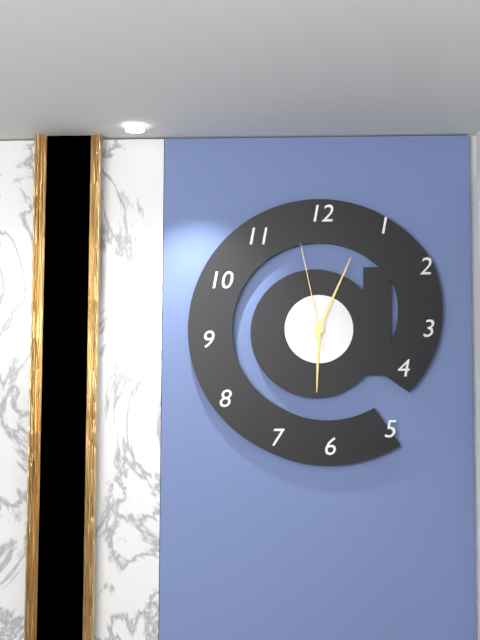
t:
**6:04:58**
